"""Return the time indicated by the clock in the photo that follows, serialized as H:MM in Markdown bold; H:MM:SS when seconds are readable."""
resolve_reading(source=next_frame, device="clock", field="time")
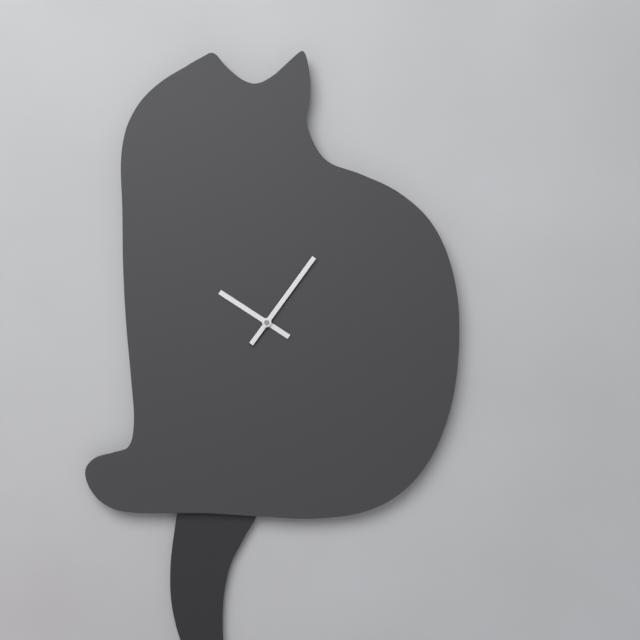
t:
**10:06**
